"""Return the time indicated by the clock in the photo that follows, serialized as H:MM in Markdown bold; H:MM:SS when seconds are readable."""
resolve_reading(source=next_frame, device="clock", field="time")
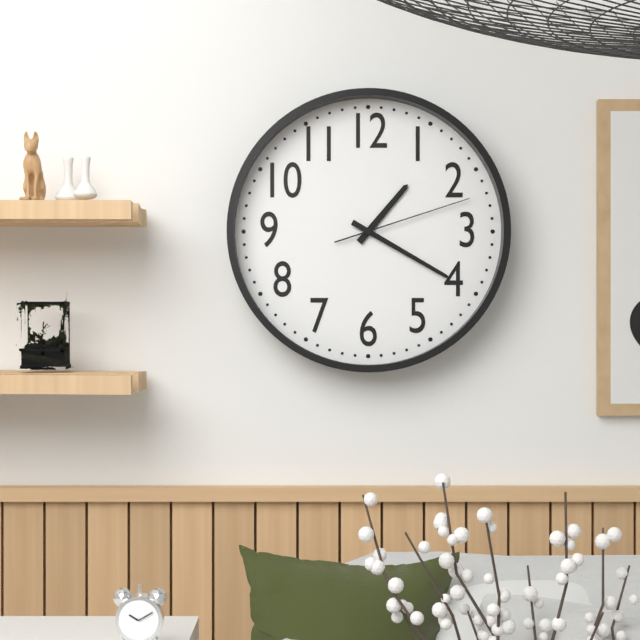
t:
**1:20:12**
